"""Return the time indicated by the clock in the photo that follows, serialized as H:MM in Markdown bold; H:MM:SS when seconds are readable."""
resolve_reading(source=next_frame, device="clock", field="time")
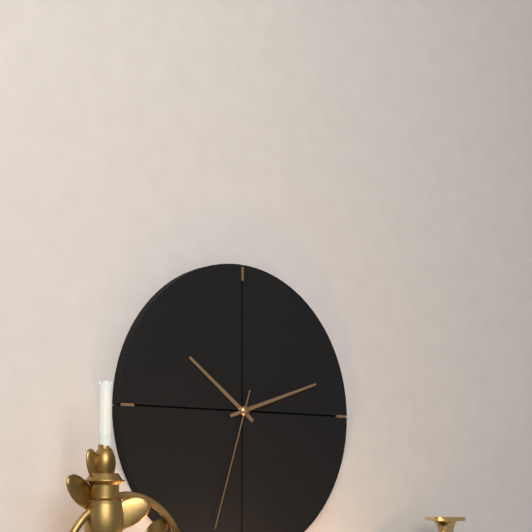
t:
**10:12:33**
